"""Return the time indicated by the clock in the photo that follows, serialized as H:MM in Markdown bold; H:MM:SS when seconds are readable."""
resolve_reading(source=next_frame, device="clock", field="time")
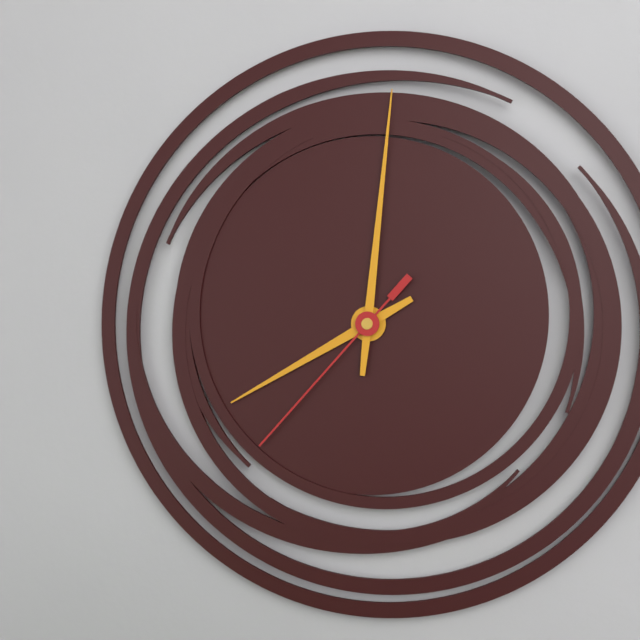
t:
**8:01:37**
